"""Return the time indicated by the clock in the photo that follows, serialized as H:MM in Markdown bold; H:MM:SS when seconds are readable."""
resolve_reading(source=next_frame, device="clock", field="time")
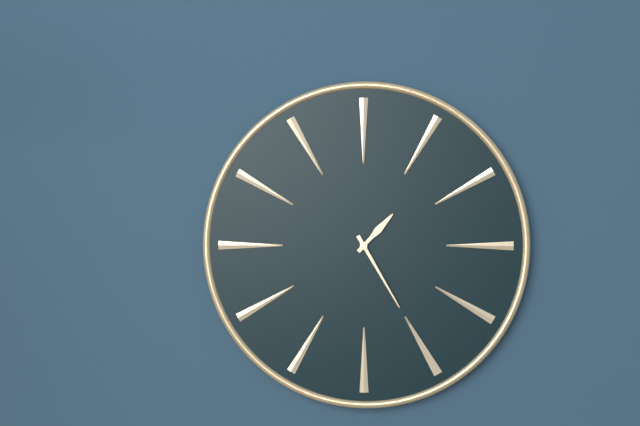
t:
**1:25**
